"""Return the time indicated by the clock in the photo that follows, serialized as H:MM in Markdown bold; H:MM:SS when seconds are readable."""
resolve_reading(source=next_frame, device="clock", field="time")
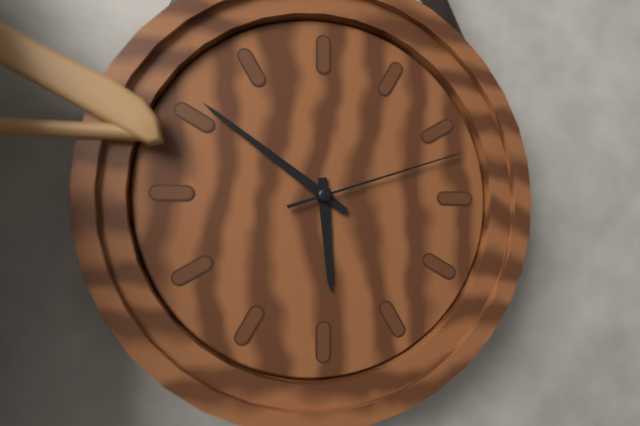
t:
**5:51:12**
